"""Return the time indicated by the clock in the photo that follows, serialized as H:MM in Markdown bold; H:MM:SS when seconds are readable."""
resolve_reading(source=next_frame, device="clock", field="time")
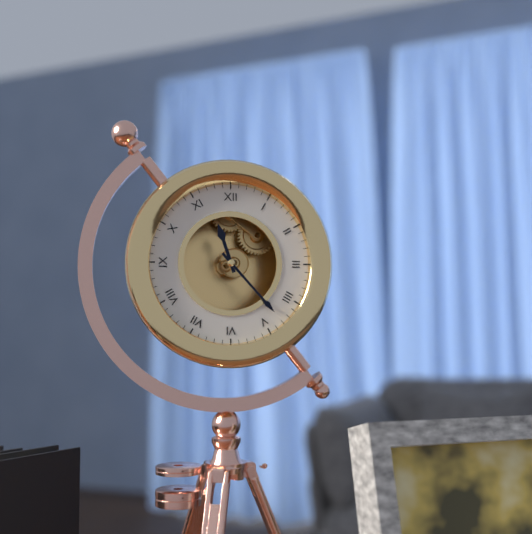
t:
**11:23**
